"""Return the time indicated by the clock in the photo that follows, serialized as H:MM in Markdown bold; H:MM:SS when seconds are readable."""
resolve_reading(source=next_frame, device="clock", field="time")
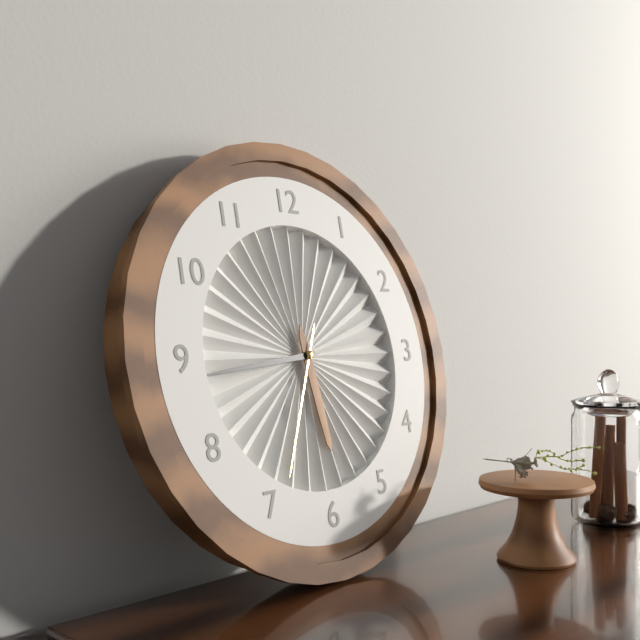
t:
**5:44:34**
